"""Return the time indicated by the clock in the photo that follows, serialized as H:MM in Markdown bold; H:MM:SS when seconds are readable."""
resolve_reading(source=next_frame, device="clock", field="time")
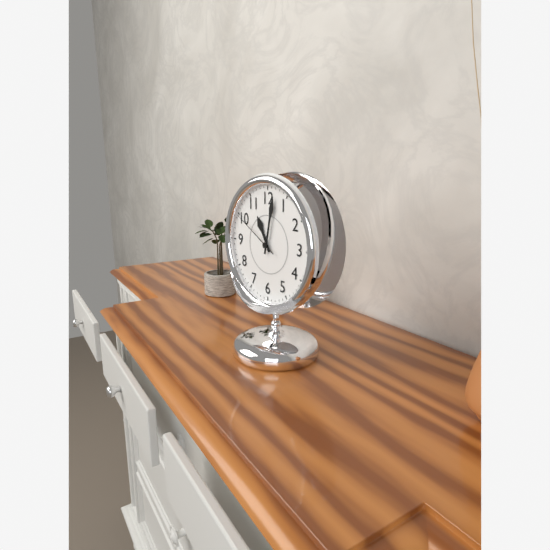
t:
**11:02:50**
